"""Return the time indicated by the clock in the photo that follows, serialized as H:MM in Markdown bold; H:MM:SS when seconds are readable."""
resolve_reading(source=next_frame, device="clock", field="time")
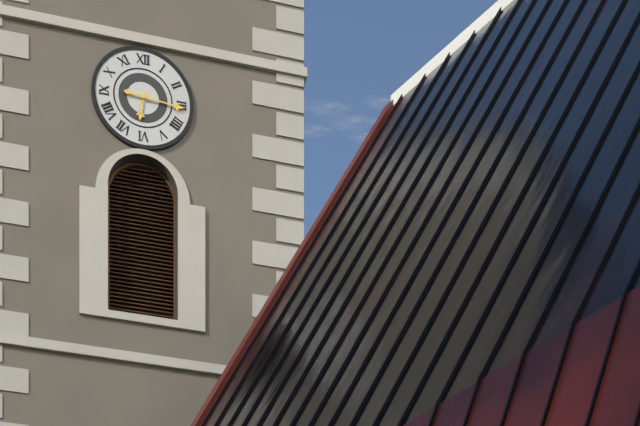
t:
**6:16**
